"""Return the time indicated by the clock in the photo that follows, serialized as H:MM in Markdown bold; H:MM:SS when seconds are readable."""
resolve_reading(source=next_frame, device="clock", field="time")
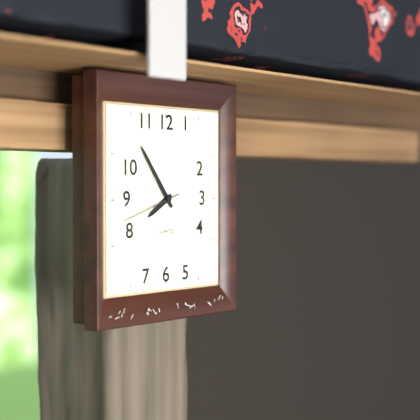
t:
**7:54:42**
